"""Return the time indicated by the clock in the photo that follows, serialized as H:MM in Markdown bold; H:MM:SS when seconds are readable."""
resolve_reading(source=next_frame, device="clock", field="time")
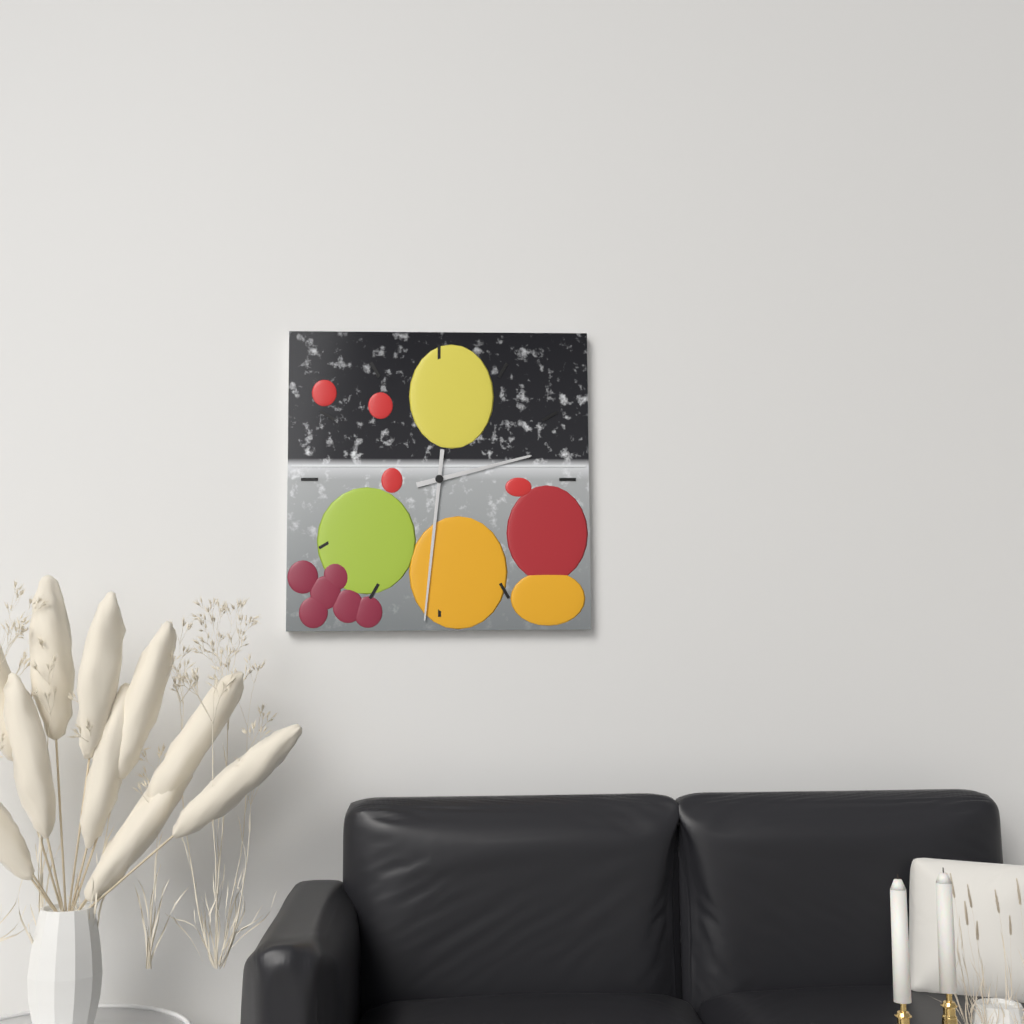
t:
**2:31**
